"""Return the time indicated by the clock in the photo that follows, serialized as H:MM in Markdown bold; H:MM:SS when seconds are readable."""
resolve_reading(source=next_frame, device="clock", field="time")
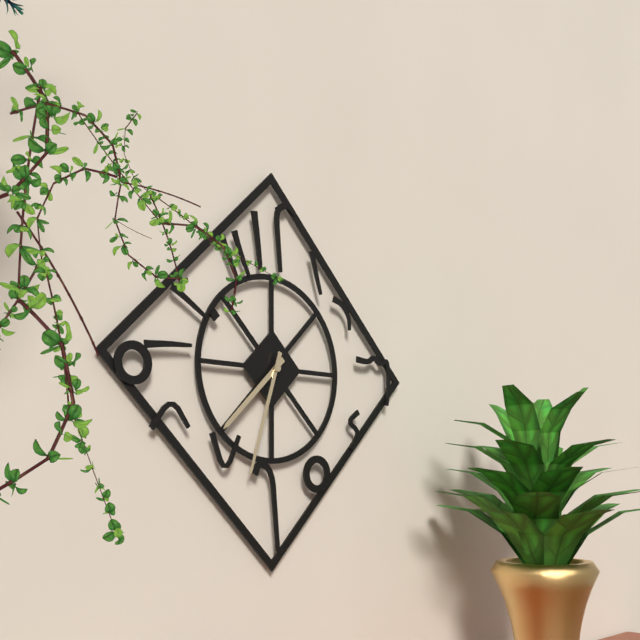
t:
**7:33**
